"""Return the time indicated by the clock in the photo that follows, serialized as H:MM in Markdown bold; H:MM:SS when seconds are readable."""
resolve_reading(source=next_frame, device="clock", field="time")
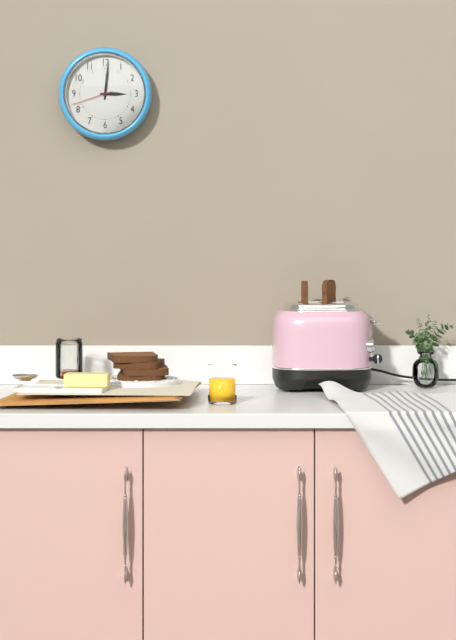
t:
**3:01**
